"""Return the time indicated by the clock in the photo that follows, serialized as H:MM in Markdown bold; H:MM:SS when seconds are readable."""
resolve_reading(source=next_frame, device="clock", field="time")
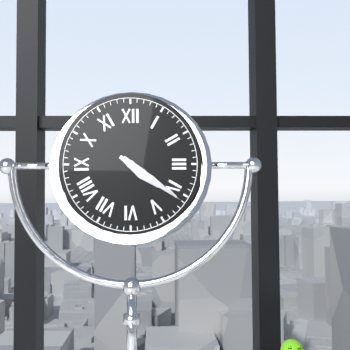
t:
**4:21**
